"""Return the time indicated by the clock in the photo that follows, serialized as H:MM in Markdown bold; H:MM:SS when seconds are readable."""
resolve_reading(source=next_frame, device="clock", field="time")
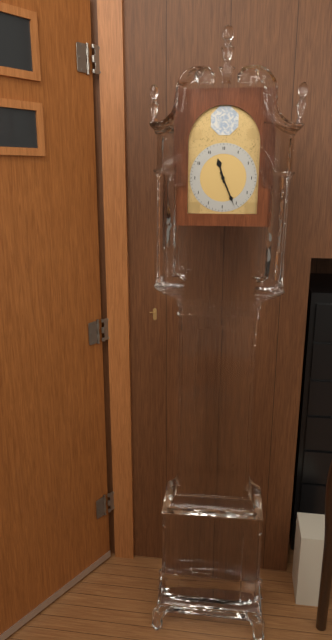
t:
**11:26**
